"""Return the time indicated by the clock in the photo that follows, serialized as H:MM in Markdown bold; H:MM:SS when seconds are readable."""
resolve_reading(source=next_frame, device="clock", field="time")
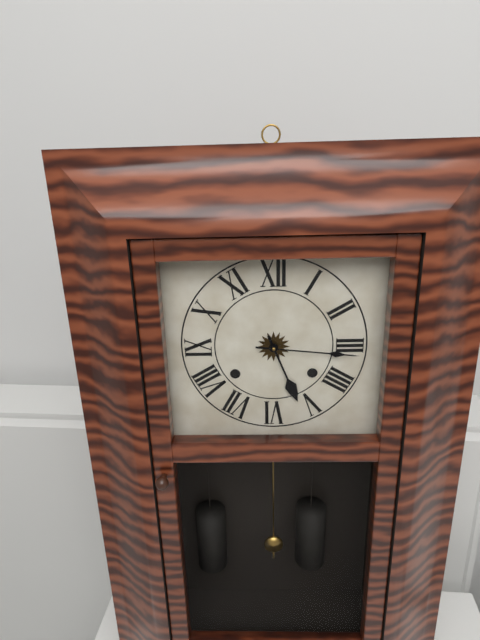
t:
**5:16**
